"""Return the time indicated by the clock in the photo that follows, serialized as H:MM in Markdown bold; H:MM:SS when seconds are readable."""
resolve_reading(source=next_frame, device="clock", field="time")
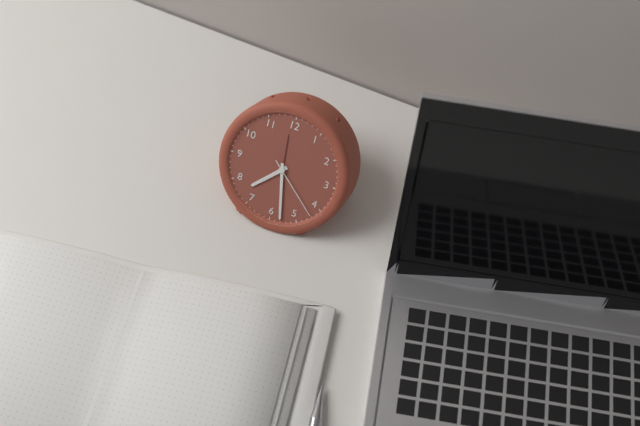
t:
**7:28:22**
